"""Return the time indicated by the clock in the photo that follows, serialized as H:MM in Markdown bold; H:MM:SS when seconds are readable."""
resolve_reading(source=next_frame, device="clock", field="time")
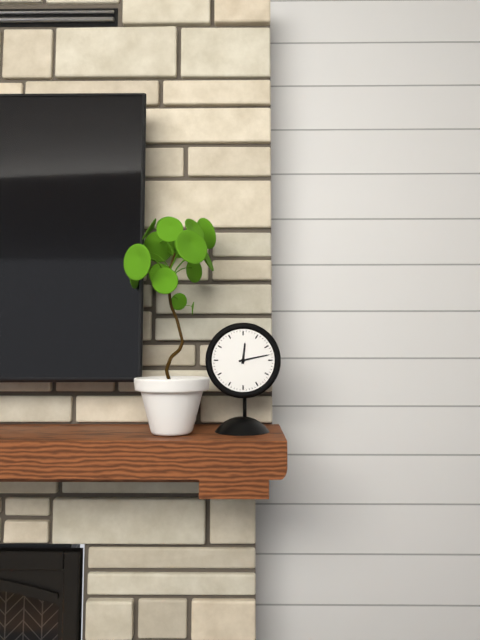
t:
**12:13**
